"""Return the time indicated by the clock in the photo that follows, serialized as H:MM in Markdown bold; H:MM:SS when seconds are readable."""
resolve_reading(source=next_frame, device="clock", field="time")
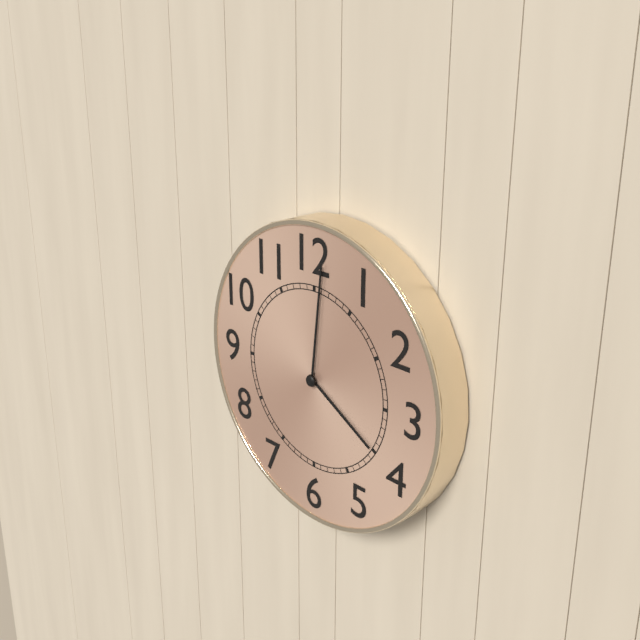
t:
**4:01**
